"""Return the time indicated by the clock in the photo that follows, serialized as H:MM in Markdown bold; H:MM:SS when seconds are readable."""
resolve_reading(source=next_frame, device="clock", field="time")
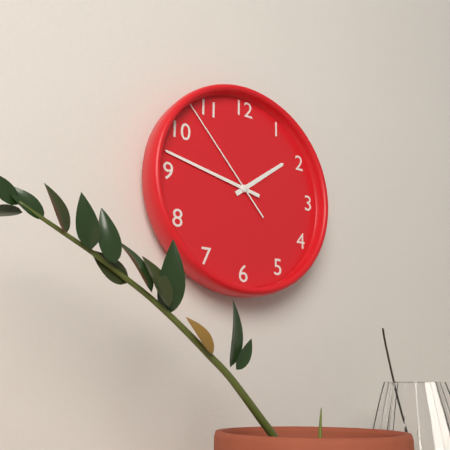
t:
**1:47:53**
